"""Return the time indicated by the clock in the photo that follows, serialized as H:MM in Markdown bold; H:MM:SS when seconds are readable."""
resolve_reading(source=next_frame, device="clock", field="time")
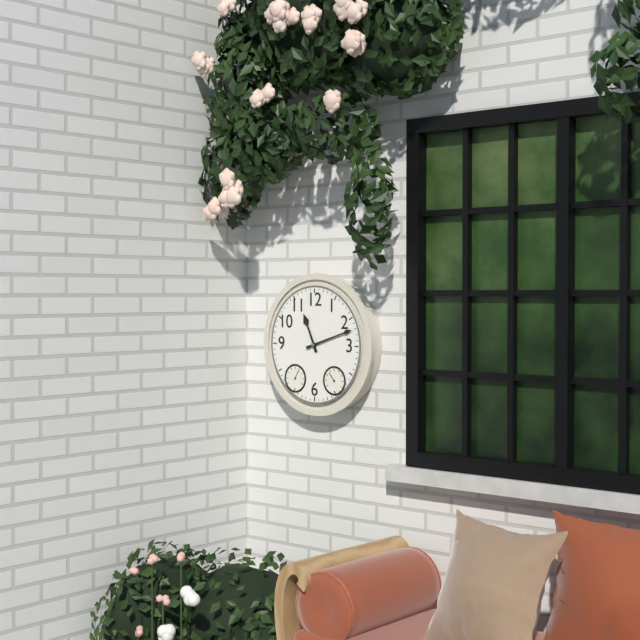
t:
**11:12**
